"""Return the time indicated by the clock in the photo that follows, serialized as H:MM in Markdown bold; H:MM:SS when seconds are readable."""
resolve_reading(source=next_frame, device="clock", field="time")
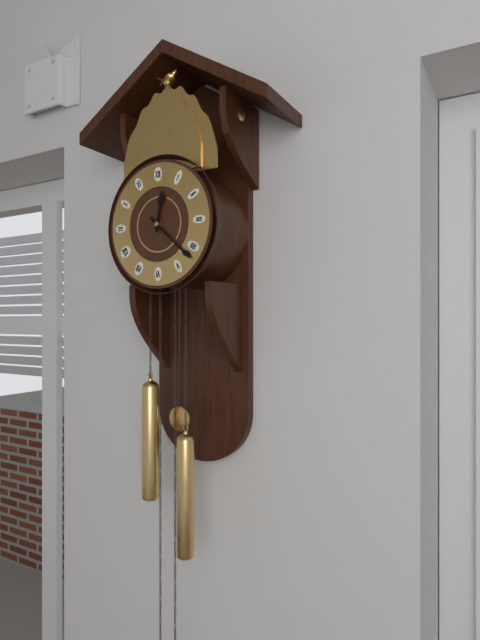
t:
**12:22**
